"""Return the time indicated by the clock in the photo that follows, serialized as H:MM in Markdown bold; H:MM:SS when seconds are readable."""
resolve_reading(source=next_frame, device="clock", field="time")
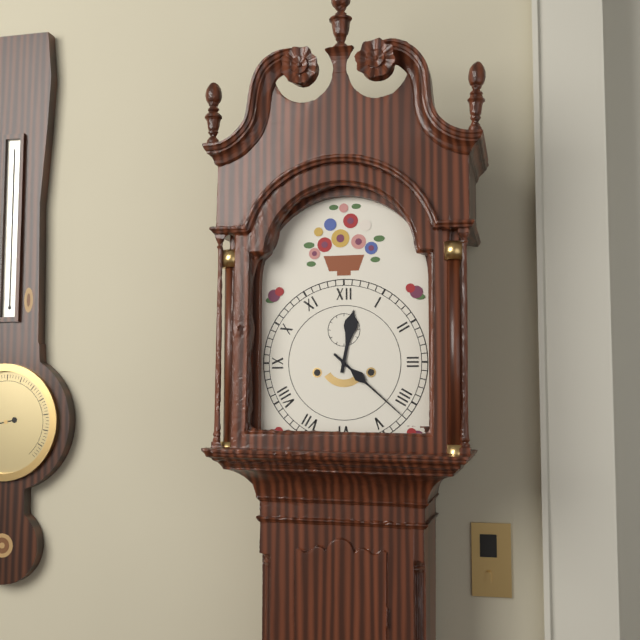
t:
**12:22**
